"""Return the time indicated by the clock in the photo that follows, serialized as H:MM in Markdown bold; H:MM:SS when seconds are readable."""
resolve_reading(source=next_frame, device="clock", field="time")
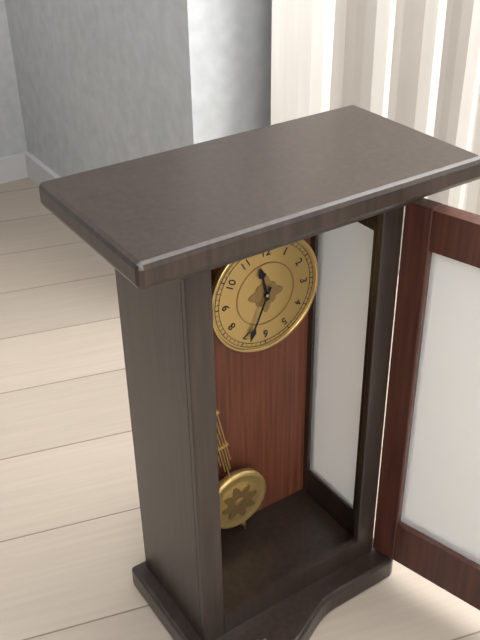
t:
**11:34**
